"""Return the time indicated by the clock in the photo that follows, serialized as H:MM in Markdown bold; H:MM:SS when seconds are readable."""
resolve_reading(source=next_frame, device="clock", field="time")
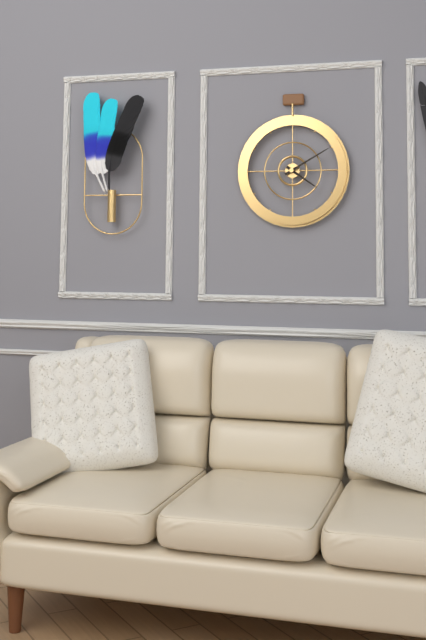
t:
**4:10**
